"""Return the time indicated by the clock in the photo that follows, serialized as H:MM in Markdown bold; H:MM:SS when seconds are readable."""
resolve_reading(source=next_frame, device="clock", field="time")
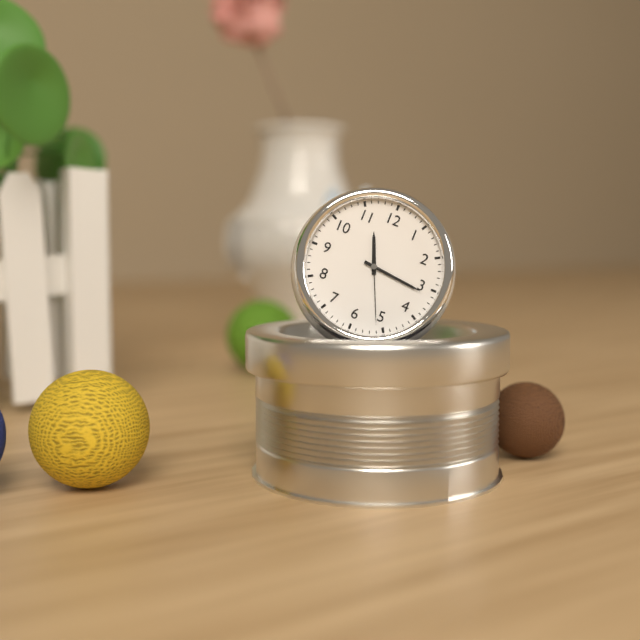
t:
**11:16:26**
